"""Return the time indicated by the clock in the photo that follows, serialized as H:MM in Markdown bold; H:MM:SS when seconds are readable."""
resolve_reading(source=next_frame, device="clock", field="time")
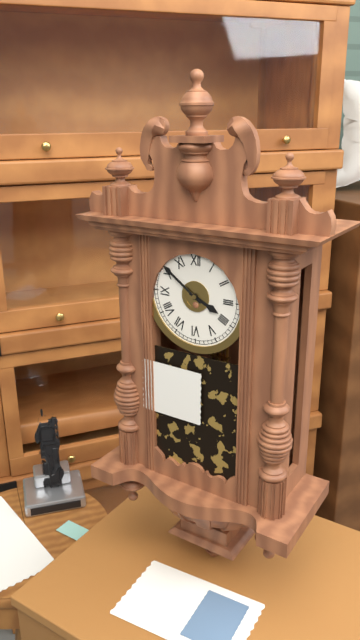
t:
**3:51**
